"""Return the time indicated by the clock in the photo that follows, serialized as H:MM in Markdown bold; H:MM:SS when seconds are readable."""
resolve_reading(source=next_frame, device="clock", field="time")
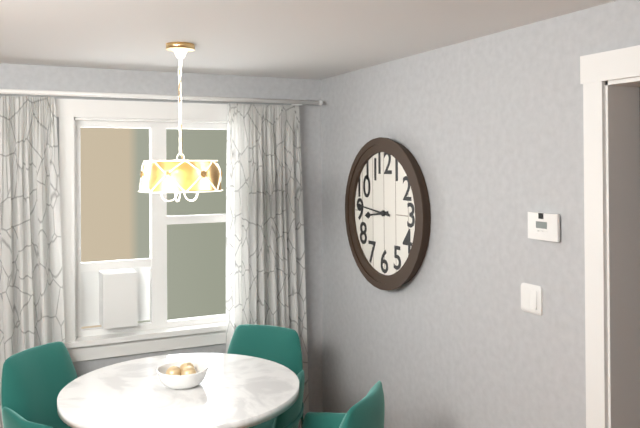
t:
**8:46**
